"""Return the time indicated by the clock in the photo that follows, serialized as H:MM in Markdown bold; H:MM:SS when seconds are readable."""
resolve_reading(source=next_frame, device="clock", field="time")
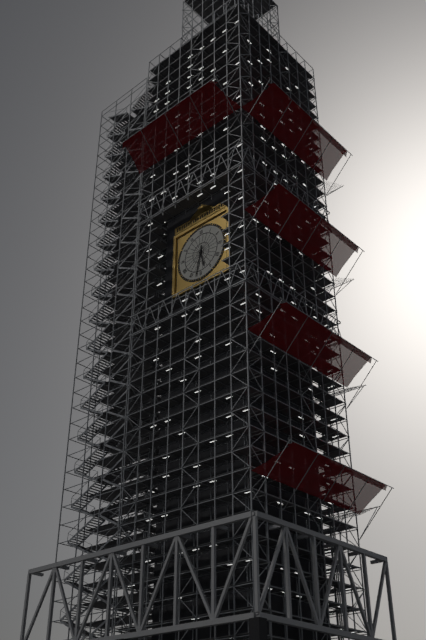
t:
**5:32**
